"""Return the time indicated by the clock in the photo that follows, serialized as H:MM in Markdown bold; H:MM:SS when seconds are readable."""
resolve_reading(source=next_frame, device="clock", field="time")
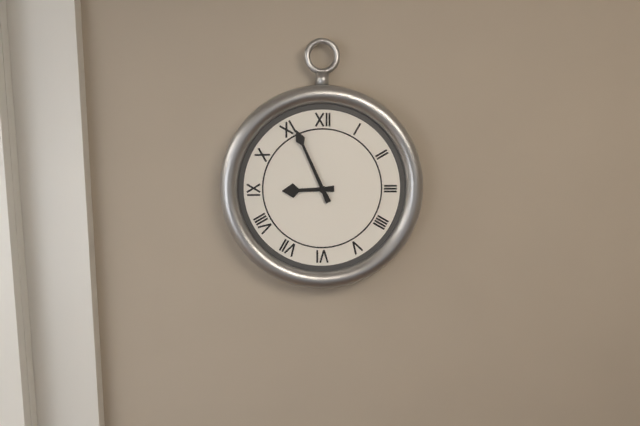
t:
**8:56**
